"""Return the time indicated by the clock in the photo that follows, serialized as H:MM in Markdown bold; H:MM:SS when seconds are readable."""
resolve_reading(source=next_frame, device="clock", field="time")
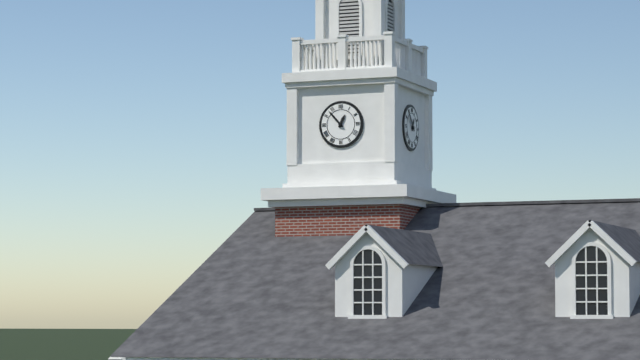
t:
**12:53**
